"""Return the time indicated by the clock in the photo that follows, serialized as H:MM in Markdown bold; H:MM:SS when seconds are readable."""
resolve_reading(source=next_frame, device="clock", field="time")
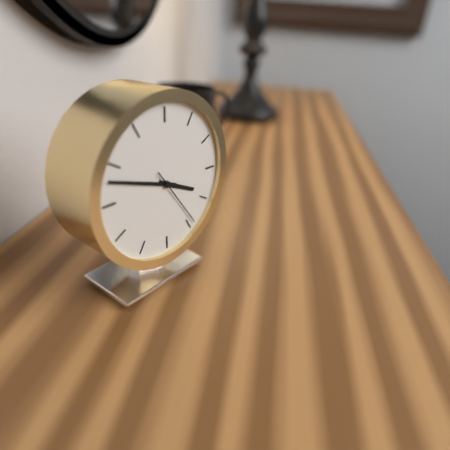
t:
**3:48:24**
